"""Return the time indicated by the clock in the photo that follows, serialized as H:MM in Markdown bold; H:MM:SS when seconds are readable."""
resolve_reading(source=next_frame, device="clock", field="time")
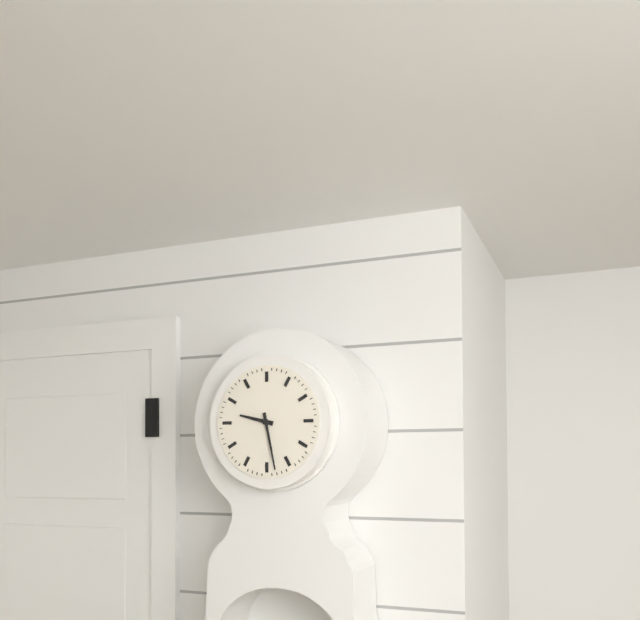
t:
**9:28**
